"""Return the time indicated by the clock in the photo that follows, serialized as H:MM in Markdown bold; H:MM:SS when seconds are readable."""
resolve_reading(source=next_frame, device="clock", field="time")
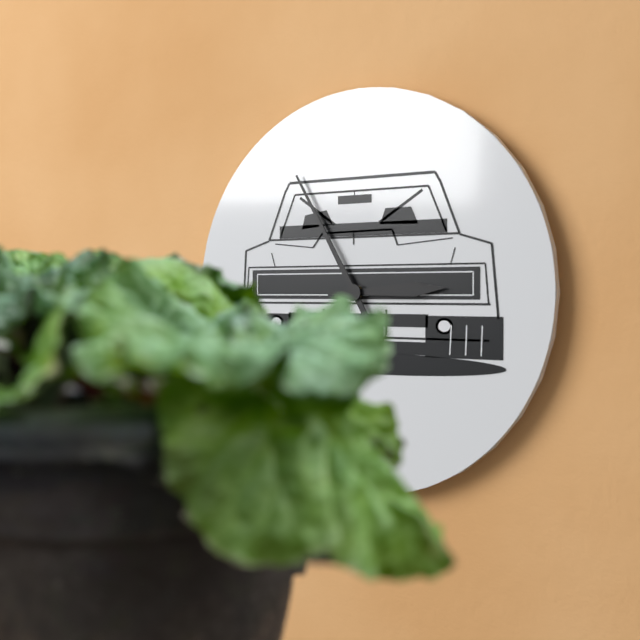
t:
**2:55**
